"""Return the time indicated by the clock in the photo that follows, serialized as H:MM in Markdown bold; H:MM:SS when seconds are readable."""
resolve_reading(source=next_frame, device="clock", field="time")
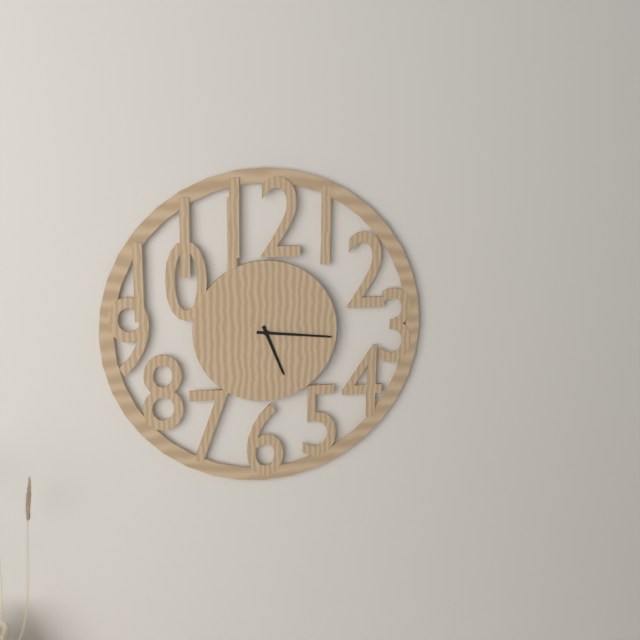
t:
**5:16**
